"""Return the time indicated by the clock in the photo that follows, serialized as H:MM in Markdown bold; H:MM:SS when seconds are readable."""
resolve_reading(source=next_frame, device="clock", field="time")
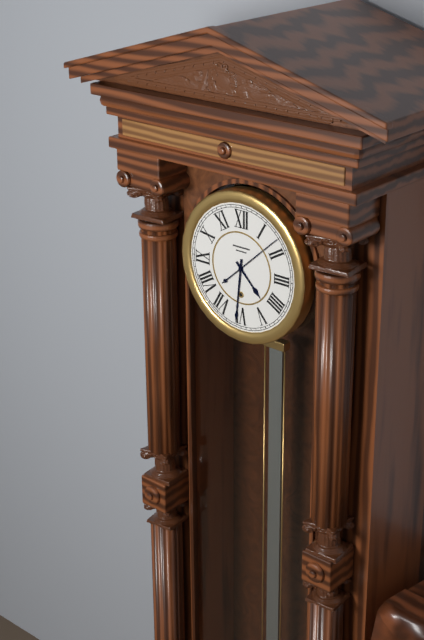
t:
**4:31:08**
